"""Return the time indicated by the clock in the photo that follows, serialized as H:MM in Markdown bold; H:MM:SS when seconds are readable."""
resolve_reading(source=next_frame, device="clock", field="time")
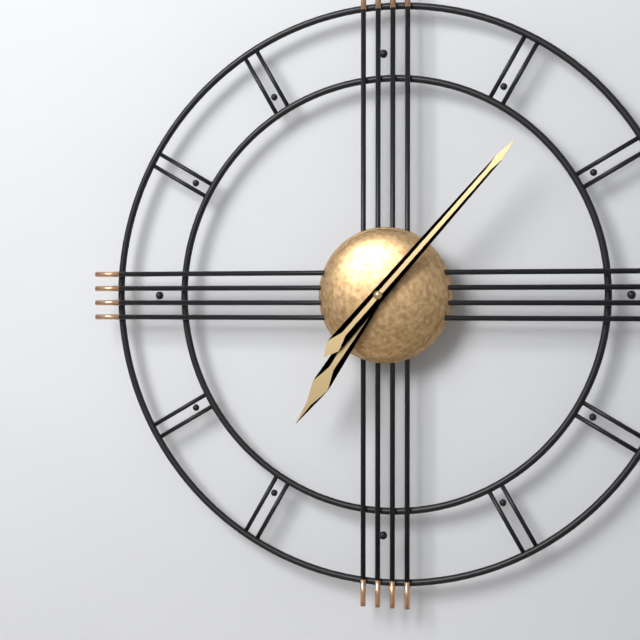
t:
**7:07**
